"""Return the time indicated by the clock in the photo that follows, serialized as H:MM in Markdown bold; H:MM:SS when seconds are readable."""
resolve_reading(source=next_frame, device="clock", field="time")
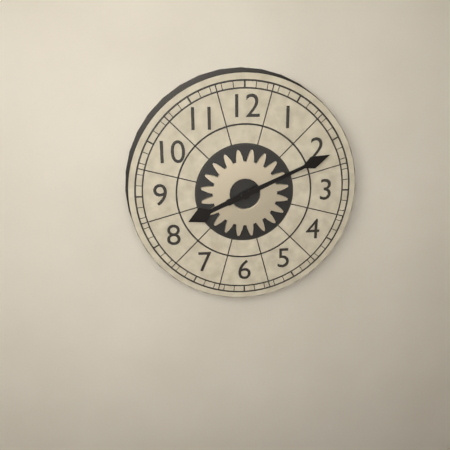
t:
**8:11**
